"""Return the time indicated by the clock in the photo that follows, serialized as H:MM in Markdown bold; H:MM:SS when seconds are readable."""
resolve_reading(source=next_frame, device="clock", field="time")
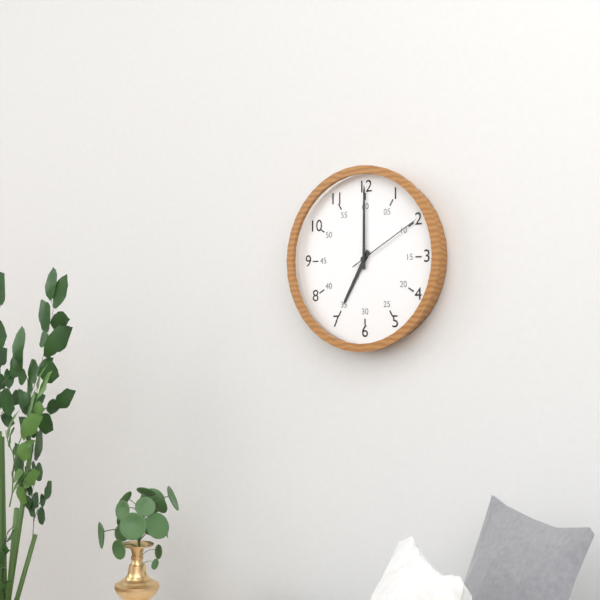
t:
**7:00:10**
